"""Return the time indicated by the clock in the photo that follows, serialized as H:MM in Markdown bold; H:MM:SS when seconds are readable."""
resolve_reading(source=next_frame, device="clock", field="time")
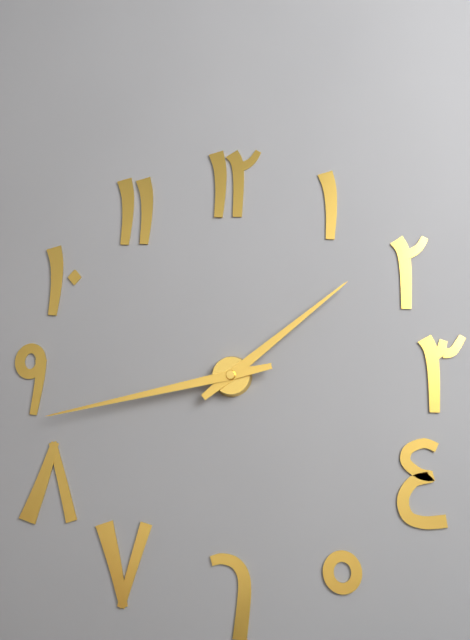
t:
**1:43**
